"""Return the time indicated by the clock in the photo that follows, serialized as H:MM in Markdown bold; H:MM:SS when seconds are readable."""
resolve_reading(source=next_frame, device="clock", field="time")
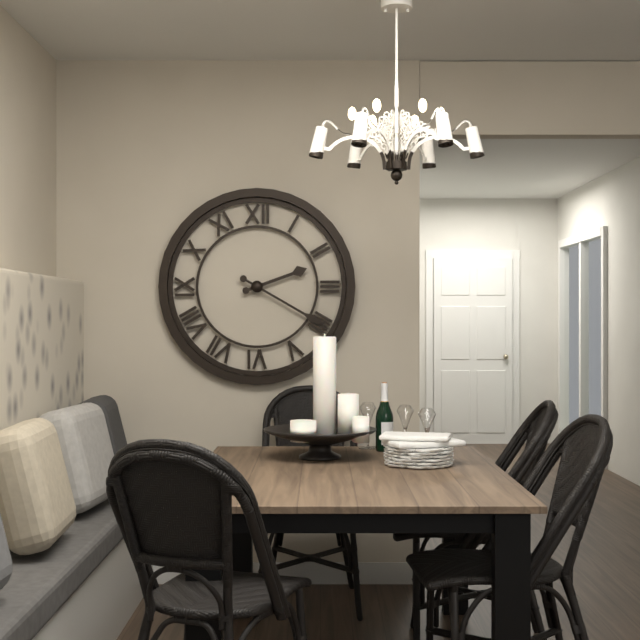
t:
**2:20**
